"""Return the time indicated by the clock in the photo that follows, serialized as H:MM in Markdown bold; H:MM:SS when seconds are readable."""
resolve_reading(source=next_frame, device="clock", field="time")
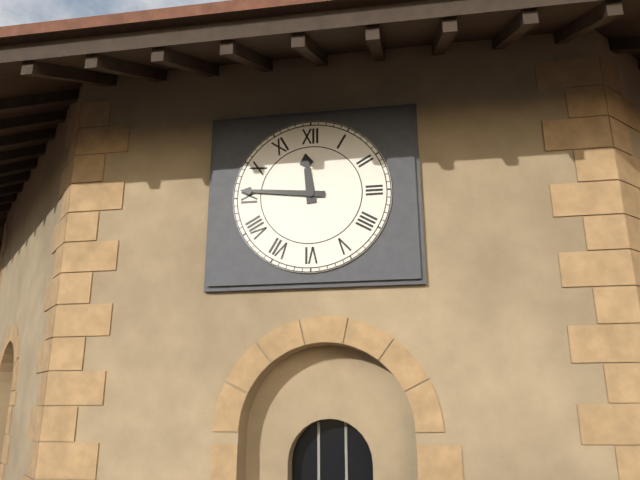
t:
**11:46**
